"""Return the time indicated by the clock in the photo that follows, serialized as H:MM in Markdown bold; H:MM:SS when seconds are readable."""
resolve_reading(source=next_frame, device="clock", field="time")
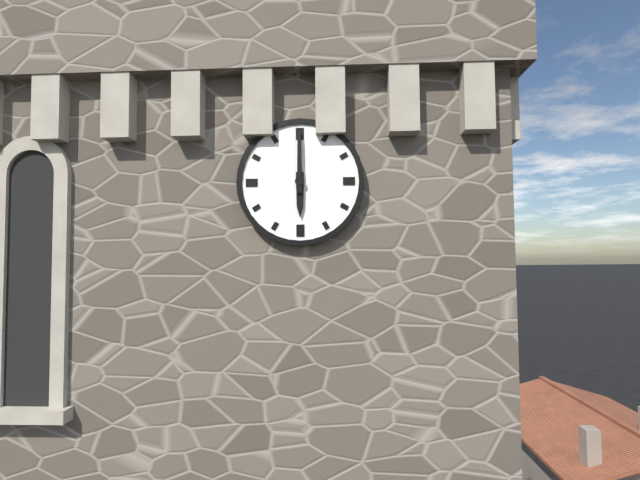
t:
**6:00**
